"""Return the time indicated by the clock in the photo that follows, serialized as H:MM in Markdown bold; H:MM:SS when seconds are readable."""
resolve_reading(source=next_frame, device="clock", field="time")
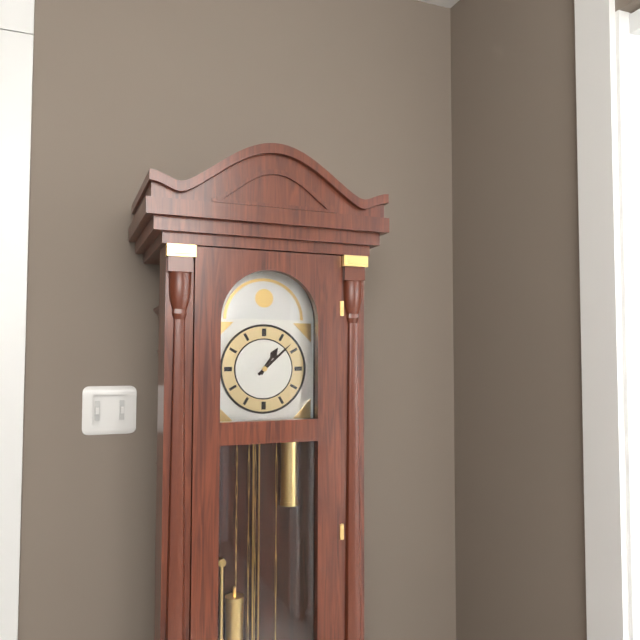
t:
**1:08**
